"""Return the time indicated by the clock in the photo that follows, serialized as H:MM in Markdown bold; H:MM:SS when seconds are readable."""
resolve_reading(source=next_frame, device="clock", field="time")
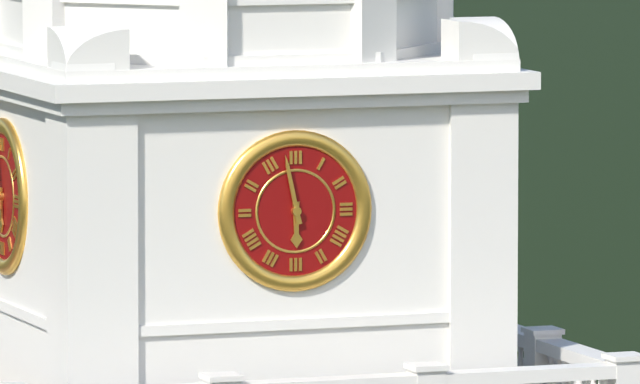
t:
**5:58**
